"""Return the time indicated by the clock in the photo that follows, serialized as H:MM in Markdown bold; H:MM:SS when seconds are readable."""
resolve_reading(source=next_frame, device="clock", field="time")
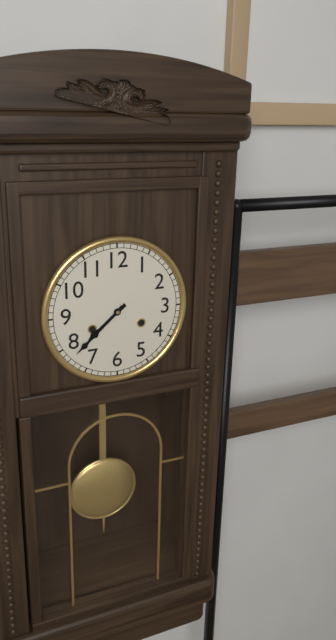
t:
**7:38**
